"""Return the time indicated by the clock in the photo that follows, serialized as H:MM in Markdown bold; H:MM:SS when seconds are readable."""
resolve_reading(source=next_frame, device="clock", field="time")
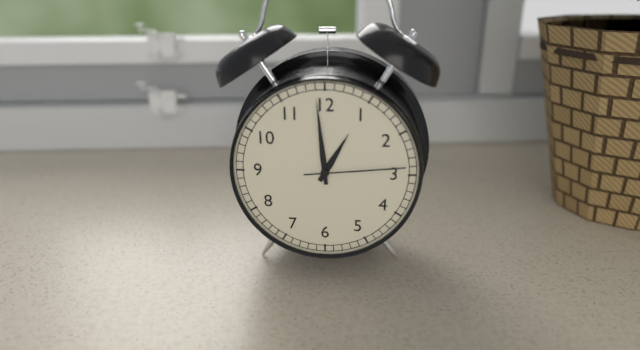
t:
**12:59:14**
